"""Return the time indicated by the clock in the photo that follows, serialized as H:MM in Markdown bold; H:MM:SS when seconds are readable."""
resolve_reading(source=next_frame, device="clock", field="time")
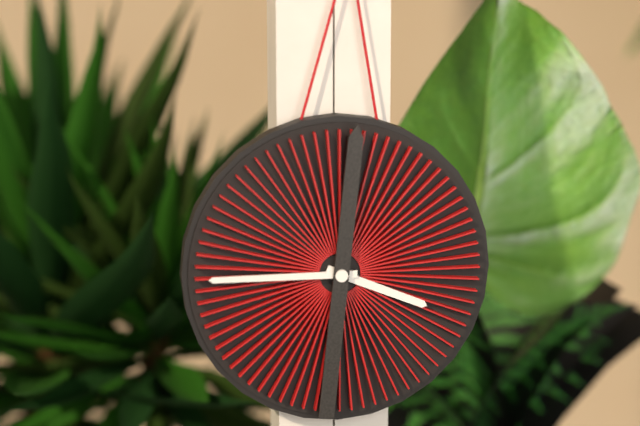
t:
**3:45:01**
